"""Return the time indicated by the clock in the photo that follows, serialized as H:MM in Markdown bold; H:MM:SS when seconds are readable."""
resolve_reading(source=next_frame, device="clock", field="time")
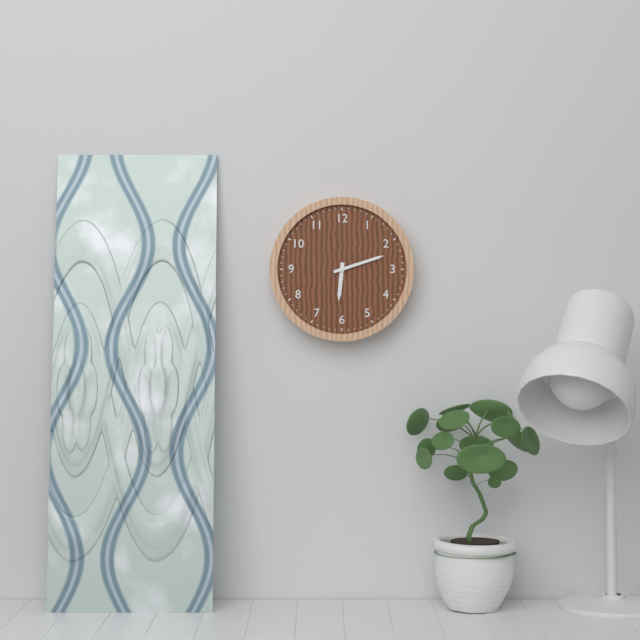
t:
**6:12**
